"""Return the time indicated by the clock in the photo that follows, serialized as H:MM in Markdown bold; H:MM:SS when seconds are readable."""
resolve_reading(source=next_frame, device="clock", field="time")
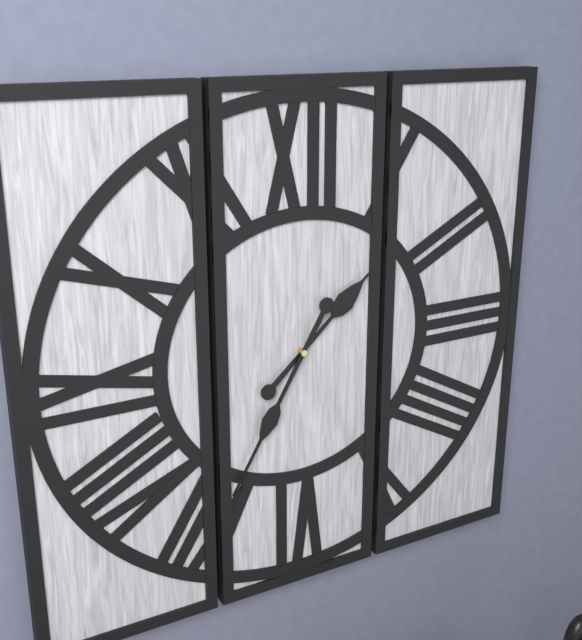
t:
**1:35**
